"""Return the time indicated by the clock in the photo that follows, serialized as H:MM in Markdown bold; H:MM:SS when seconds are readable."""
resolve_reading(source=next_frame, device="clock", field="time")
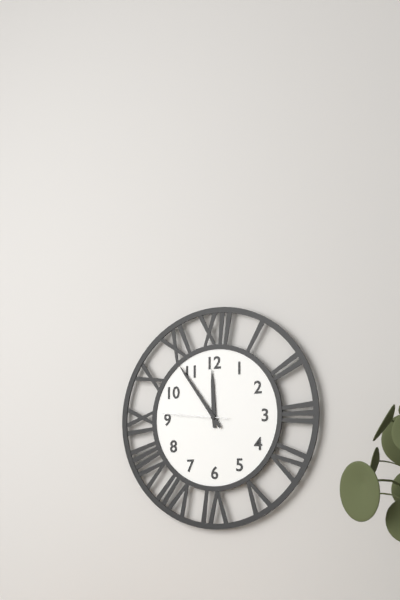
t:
**11:54:46**
